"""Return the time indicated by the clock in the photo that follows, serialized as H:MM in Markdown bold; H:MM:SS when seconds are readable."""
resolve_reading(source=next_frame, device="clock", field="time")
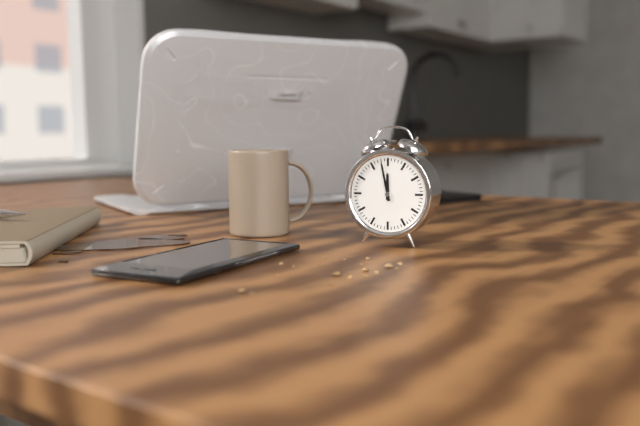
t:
**11:58**
